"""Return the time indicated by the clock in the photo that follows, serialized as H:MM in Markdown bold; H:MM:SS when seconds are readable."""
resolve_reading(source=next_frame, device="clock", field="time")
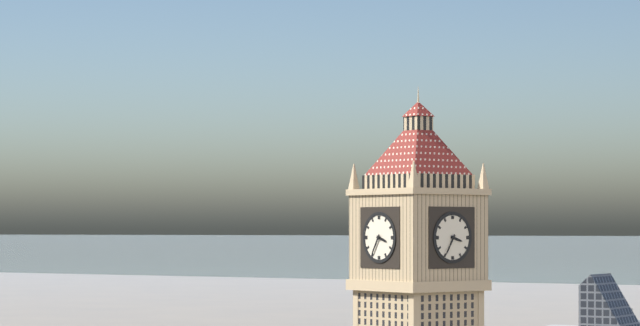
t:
**3:35**
